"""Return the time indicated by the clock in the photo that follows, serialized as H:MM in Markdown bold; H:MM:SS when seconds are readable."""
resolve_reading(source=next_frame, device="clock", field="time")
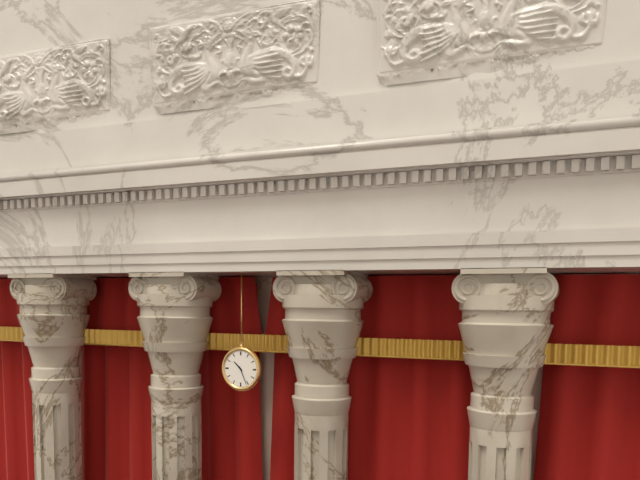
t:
**10:26**
